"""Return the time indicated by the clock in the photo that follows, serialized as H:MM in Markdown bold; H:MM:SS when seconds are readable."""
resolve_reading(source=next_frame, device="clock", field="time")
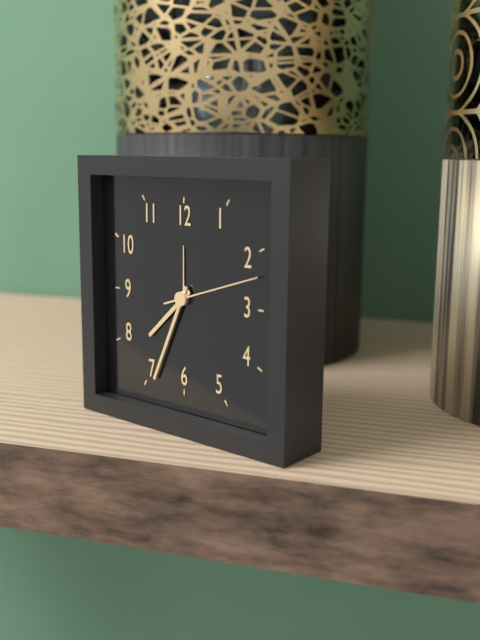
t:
**7:34:12**
